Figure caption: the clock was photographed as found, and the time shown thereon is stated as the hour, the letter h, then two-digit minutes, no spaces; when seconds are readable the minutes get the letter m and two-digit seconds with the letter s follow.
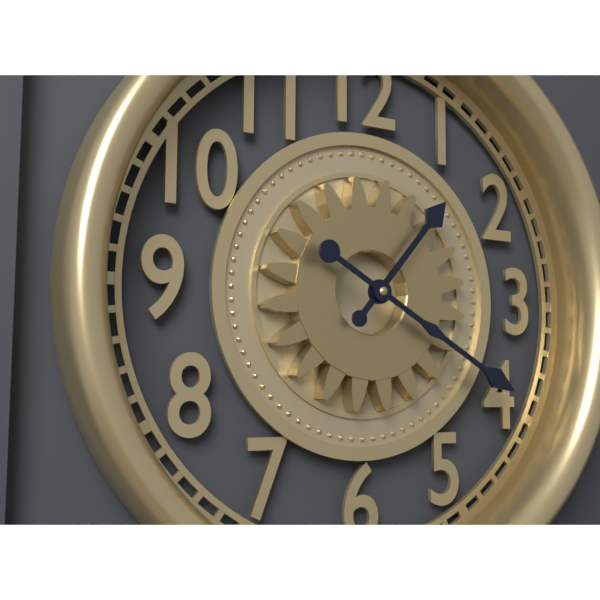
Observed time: 1h20
